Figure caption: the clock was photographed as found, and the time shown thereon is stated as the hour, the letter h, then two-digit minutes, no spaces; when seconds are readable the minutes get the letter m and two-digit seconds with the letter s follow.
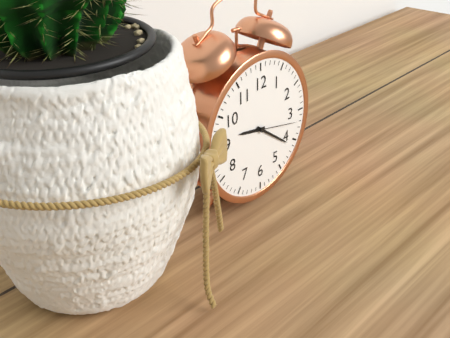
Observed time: 9h21
